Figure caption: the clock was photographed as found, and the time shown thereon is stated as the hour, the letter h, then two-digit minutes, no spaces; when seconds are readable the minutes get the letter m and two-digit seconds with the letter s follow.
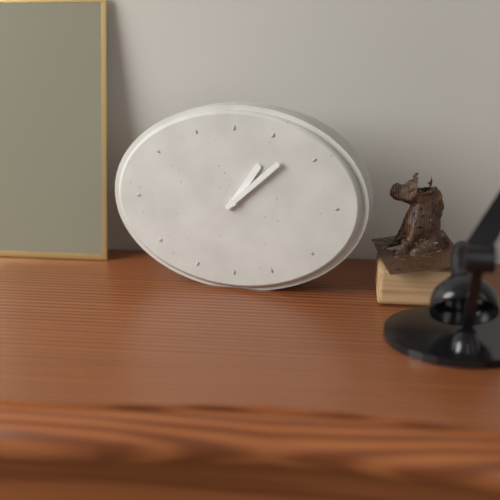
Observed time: 1h08
